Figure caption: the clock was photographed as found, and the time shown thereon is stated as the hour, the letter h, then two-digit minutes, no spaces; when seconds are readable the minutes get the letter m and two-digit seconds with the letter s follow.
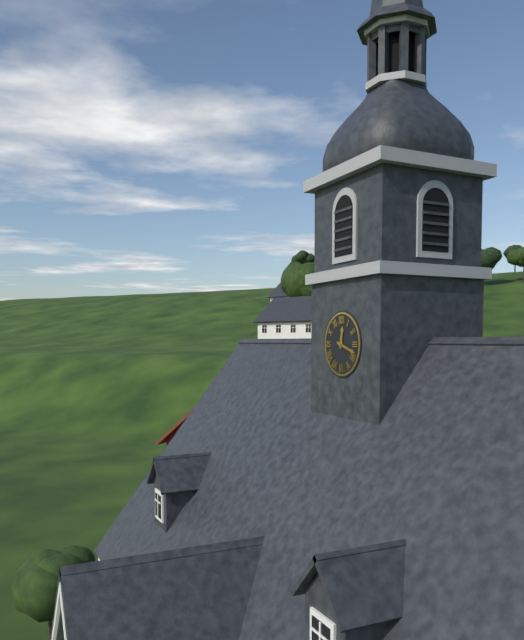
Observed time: 12h18
